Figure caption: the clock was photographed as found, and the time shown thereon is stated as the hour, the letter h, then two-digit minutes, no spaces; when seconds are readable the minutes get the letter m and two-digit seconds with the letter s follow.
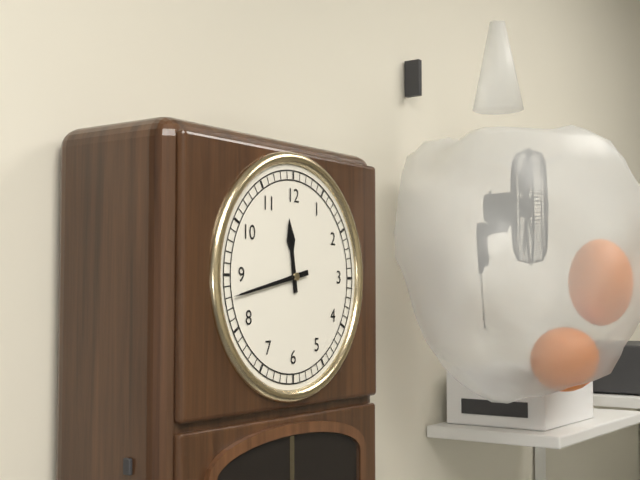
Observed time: 11h43
